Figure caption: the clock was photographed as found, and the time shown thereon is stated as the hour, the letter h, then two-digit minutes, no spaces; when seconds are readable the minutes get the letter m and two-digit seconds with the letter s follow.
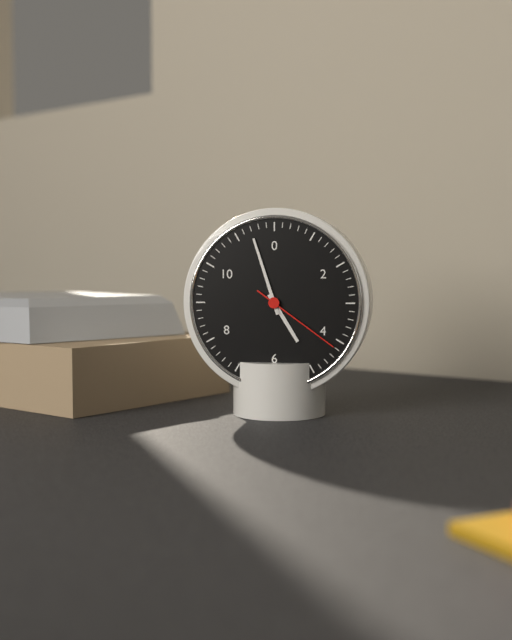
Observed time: 4h57m21s
